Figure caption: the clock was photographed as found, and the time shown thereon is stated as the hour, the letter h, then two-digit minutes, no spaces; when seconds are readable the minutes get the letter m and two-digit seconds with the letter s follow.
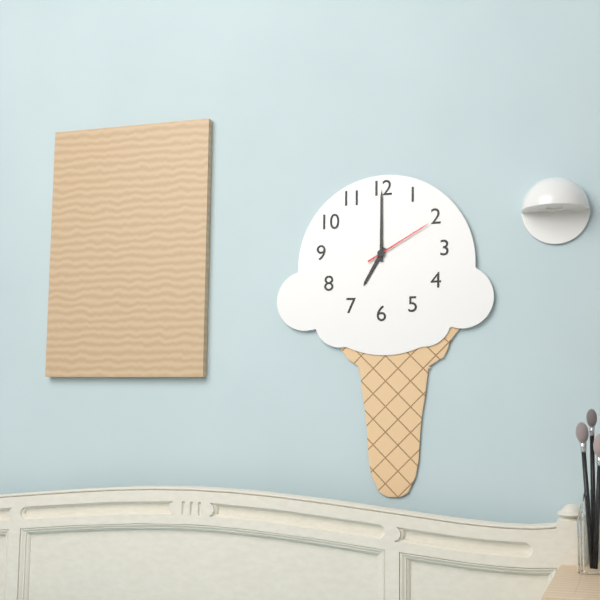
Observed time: 7h00m10s
